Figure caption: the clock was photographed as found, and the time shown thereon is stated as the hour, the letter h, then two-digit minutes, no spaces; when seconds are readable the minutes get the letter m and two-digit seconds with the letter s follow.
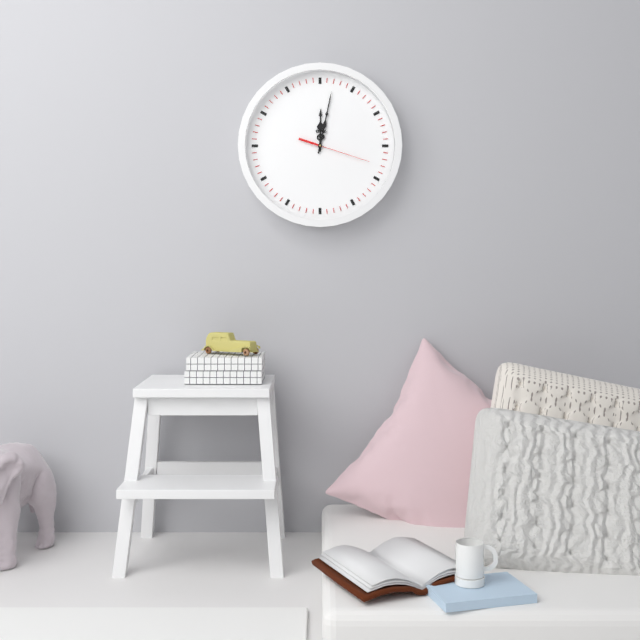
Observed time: 12h02m18s
